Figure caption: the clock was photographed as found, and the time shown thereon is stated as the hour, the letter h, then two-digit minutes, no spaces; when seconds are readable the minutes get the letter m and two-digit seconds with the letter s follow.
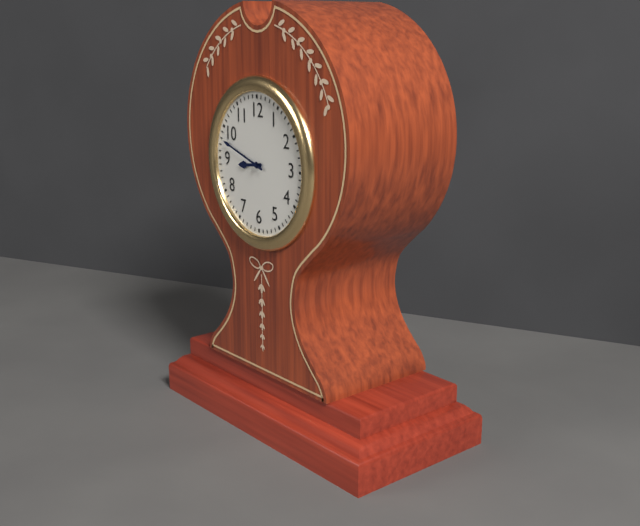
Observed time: 8h48
